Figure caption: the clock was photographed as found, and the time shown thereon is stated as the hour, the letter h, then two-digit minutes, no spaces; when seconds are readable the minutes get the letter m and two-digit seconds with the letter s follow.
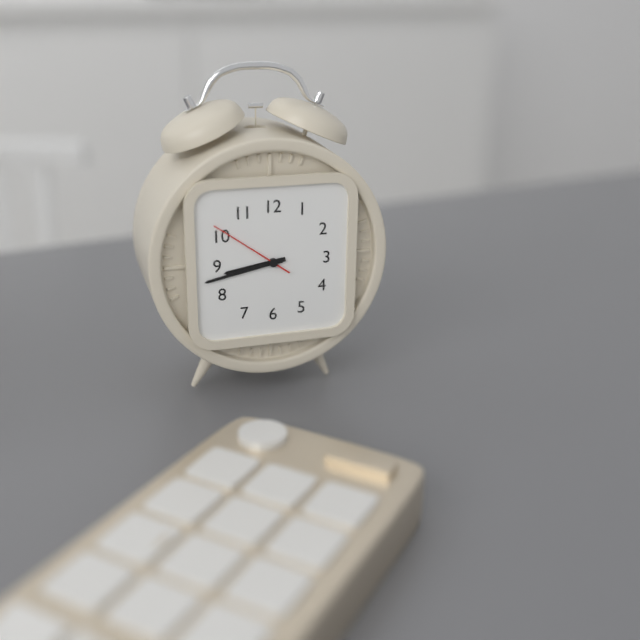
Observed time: 8h43m51s
